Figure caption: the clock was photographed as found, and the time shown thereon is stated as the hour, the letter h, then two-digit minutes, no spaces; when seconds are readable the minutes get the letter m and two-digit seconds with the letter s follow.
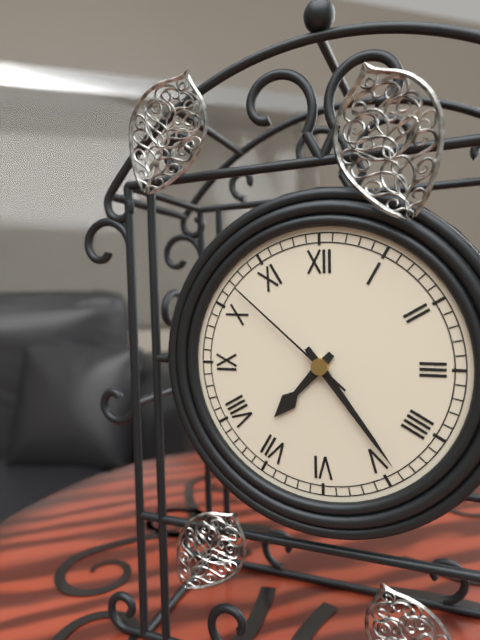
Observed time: 7h24m52s
